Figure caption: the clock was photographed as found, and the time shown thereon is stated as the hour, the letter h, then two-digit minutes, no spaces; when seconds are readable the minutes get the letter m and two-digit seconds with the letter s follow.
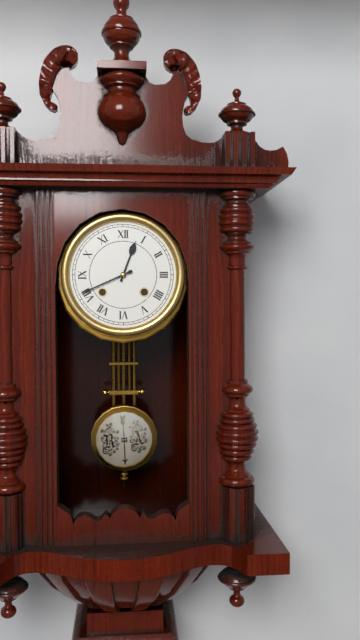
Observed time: 12h41
